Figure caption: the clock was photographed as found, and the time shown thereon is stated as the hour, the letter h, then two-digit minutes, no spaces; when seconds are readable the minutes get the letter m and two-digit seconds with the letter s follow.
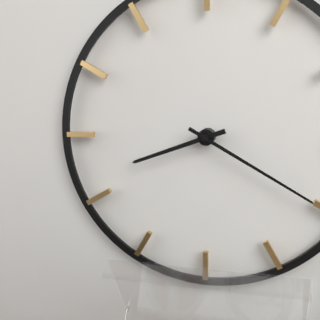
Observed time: 8h20
